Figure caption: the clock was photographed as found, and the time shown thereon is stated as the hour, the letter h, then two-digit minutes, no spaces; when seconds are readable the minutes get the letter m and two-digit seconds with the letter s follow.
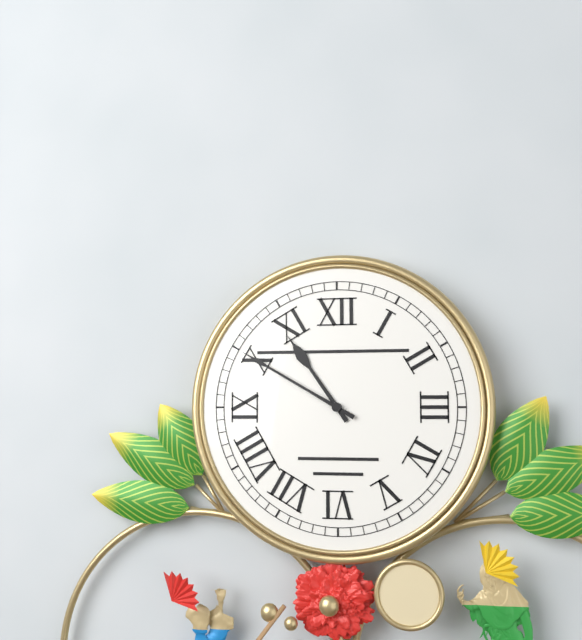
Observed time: 10h50
